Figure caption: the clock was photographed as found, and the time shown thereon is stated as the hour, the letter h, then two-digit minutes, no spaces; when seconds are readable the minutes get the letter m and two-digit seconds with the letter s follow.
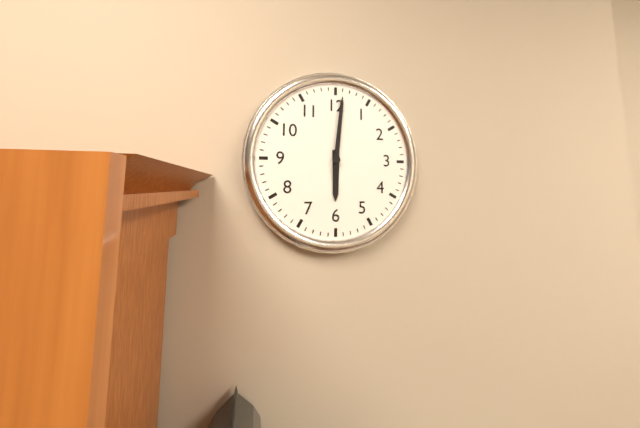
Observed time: 6h01
